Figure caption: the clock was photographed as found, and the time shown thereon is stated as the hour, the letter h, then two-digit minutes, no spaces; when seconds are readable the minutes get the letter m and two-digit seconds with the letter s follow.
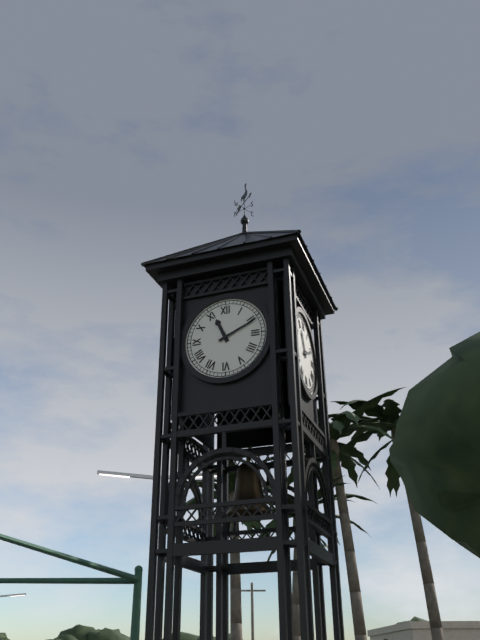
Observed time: 11h11
